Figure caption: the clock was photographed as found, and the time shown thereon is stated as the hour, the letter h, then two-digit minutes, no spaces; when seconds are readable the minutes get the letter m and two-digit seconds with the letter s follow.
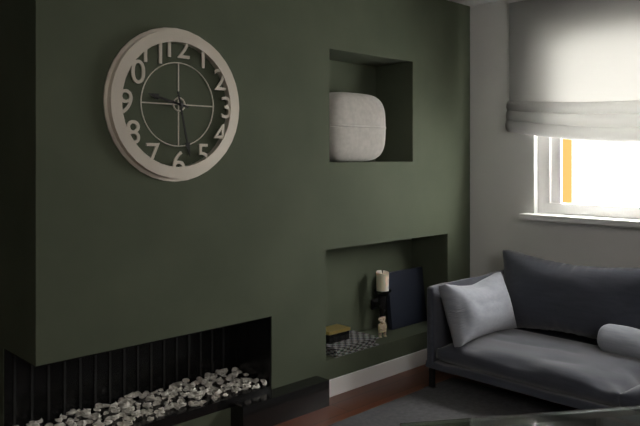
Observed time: 9h28
